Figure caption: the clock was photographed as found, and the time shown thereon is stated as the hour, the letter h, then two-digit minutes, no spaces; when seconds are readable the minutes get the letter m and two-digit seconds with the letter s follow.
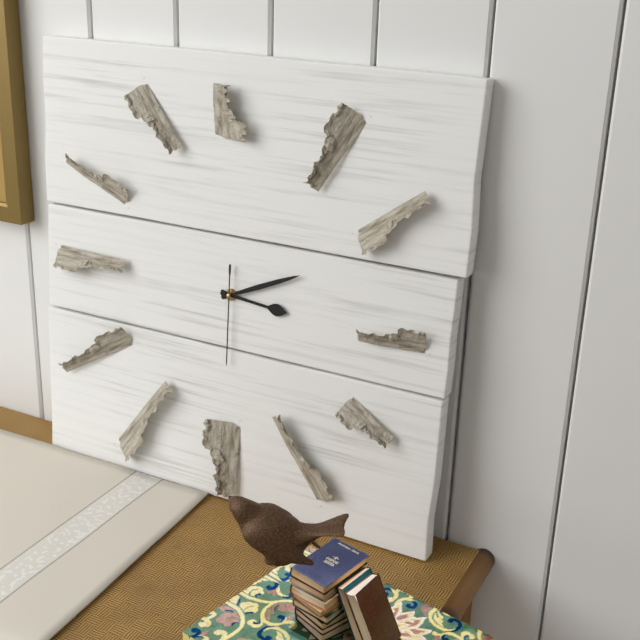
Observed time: 3h11m30s
